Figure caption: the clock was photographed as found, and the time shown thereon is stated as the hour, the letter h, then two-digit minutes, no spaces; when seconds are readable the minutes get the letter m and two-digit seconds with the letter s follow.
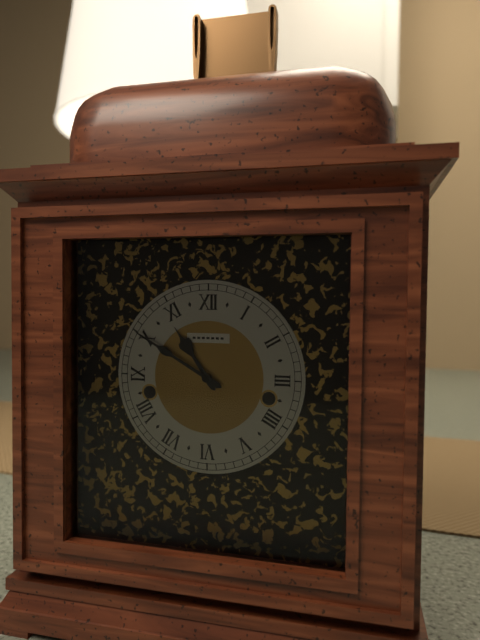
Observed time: 10h50
